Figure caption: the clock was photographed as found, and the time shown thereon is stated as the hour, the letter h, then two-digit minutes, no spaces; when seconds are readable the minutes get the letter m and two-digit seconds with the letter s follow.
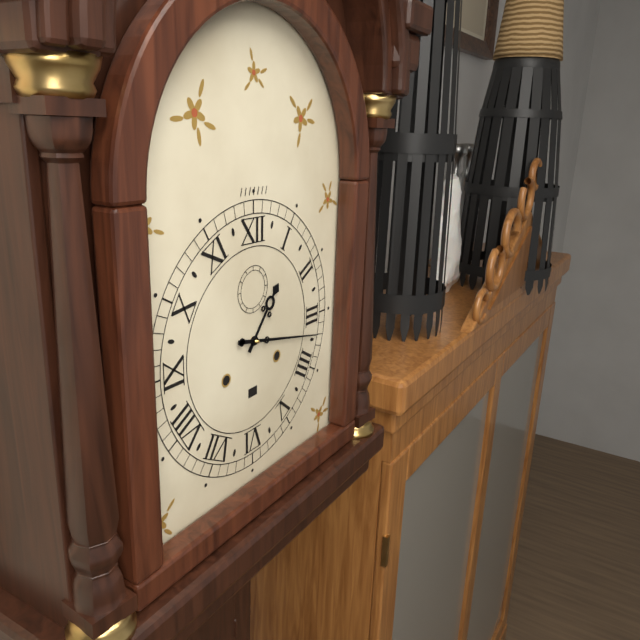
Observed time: 1h17
